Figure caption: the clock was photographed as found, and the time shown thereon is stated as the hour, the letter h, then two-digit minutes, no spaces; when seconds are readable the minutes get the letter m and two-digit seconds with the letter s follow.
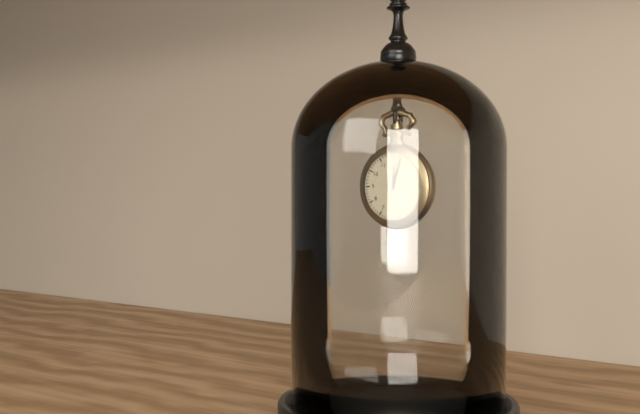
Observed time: 12h03
